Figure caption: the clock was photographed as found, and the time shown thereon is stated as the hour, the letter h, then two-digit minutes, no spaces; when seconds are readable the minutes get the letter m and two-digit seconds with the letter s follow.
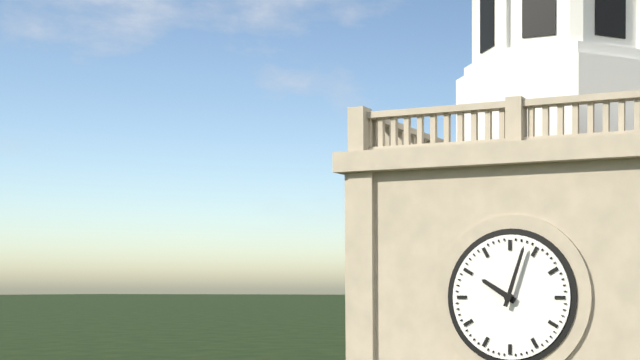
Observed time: 10h03
